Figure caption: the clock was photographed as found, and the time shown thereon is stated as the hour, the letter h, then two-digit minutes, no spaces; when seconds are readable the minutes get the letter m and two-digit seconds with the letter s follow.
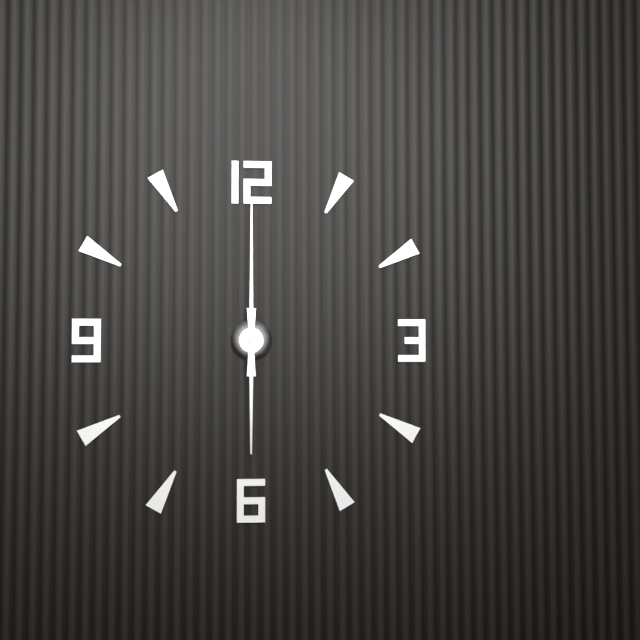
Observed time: 6h00
